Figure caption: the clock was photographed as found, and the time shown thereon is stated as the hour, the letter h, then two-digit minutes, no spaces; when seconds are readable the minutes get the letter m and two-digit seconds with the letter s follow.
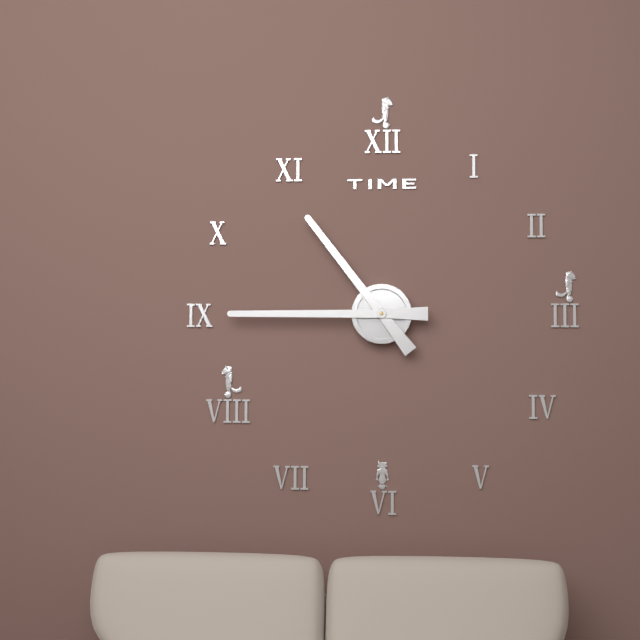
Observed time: 10h45
